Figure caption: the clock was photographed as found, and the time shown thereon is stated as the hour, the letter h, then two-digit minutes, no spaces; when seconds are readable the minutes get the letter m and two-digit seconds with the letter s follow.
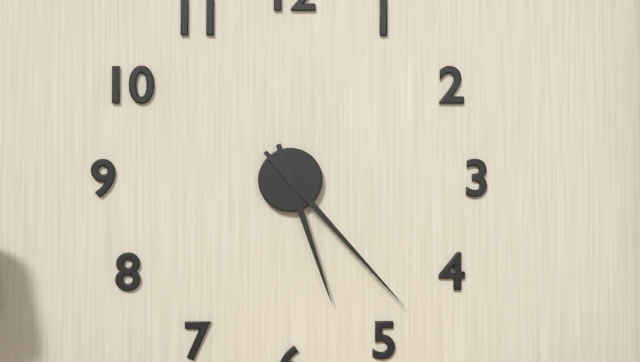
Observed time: 5h23
